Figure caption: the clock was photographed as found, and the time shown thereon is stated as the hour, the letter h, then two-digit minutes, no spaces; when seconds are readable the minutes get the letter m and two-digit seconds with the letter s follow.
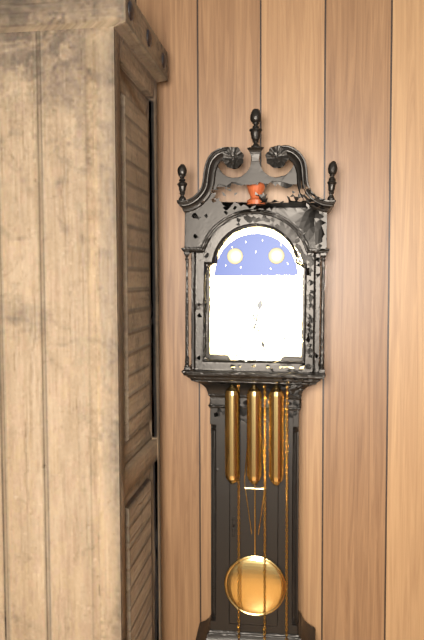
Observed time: 12h27
